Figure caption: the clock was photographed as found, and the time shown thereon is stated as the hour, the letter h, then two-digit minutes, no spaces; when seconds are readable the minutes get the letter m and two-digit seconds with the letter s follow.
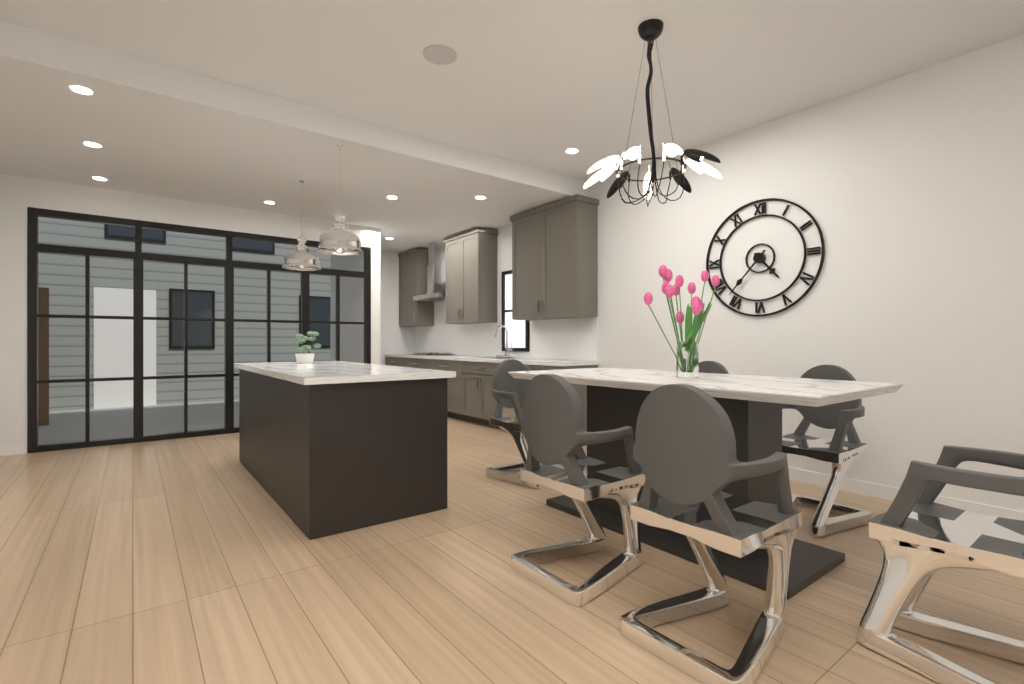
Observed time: 4h37
